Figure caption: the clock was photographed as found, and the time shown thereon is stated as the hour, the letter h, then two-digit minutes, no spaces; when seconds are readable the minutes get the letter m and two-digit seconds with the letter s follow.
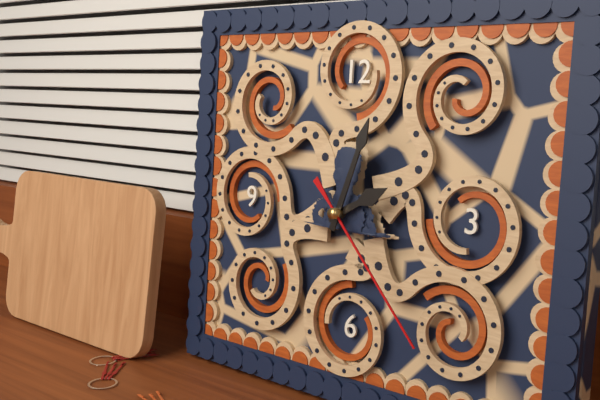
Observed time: 2h03m23s
